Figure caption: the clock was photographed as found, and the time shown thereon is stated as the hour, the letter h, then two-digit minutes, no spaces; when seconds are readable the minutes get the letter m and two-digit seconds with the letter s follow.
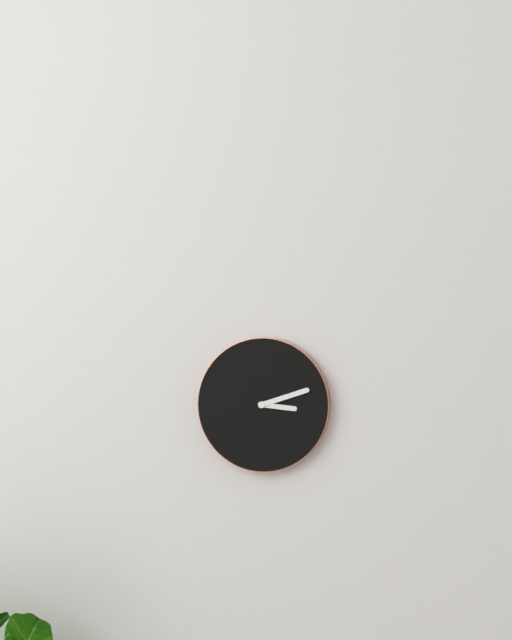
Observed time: 3h12
